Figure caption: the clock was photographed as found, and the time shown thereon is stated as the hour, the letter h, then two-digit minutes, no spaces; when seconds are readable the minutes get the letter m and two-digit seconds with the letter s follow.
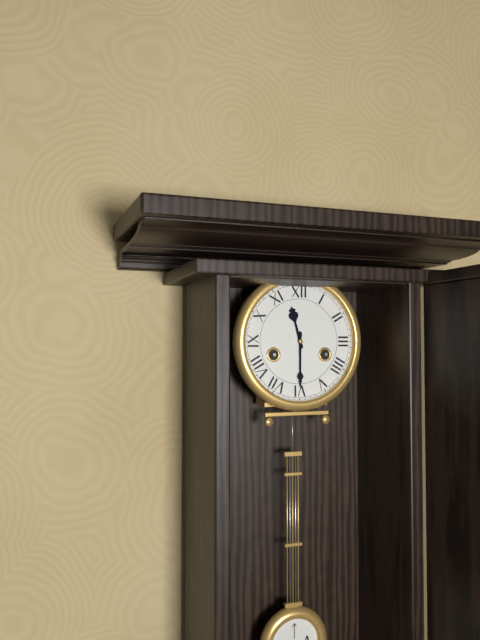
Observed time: 11h30
